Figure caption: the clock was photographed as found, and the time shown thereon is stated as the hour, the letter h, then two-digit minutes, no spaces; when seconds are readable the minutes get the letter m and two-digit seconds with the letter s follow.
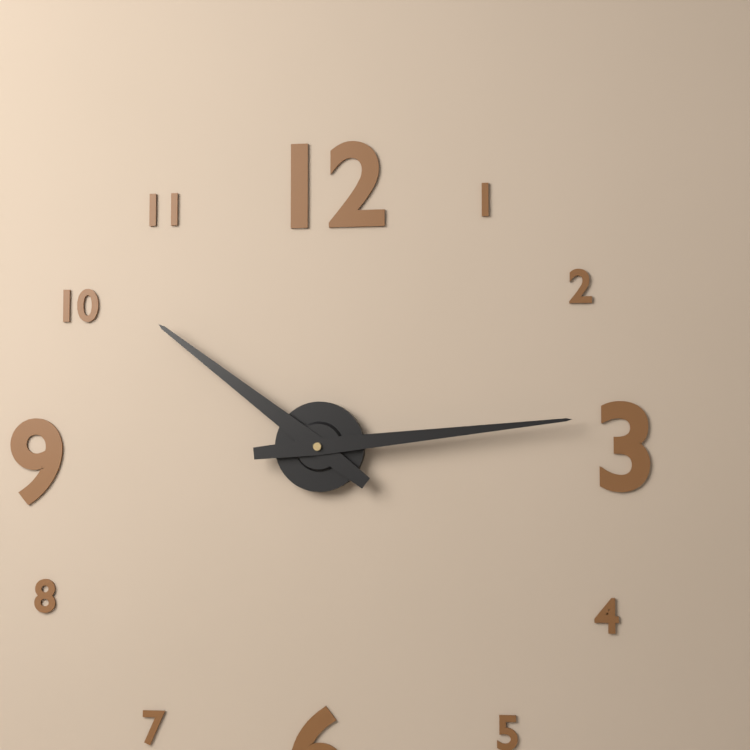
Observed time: 10h14
